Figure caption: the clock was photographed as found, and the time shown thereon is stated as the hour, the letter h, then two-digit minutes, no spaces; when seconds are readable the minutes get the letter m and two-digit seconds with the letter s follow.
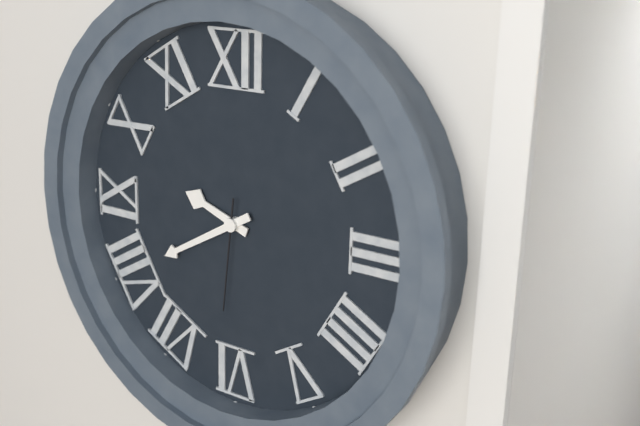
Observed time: 9h40m31s
